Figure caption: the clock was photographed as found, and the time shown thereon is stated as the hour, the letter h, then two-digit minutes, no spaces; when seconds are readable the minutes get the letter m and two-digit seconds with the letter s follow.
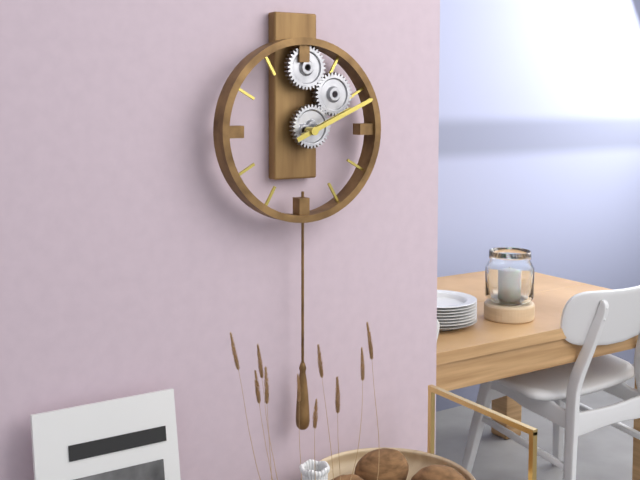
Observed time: 2h11
